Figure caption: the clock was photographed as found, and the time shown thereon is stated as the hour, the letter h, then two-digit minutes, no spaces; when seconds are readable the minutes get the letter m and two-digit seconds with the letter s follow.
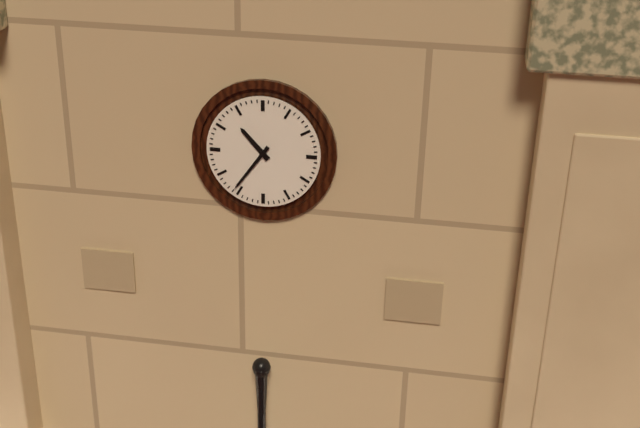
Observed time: 10h36
